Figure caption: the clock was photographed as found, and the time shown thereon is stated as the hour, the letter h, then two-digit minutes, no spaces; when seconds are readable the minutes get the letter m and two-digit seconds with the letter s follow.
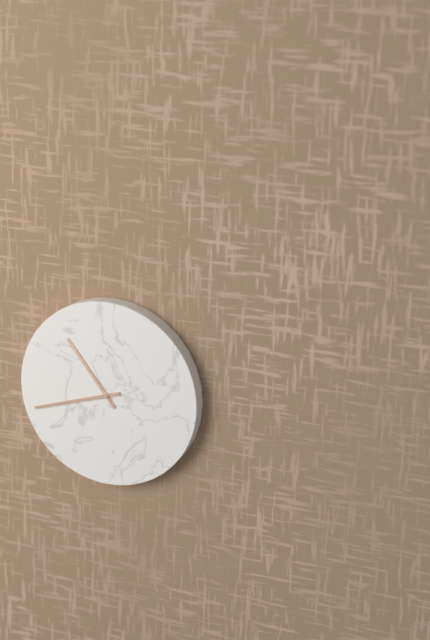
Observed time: 10h42
